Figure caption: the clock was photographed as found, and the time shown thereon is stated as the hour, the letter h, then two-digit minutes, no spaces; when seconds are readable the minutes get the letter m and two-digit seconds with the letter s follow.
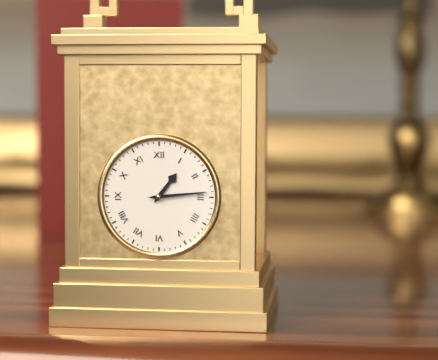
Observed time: 1h14
